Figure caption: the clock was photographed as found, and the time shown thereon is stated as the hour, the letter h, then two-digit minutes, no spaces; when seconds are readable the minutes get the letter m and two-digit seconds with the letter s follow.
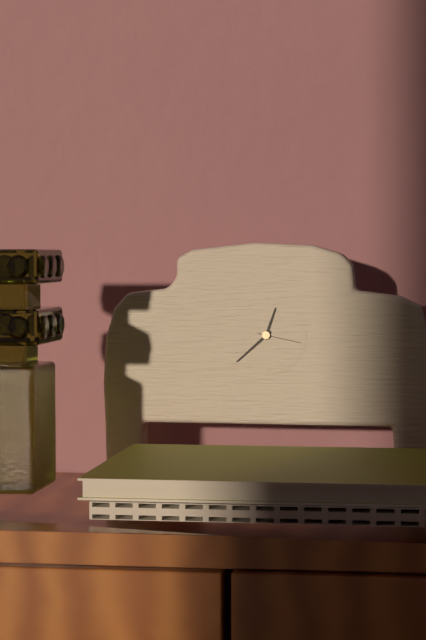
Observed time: 12h38
